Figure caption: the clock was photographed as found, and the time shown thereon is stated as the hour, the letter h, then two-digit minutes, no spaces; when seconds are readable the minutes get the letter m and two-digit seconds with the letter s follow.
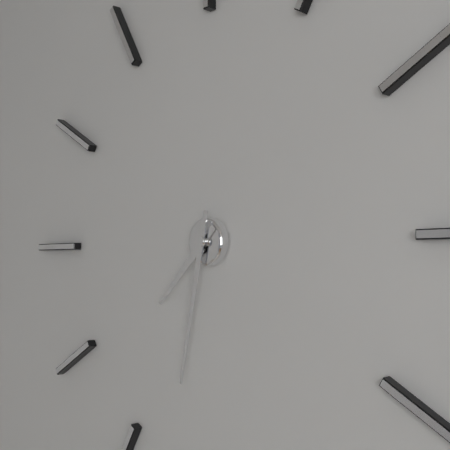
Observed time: 7h32
